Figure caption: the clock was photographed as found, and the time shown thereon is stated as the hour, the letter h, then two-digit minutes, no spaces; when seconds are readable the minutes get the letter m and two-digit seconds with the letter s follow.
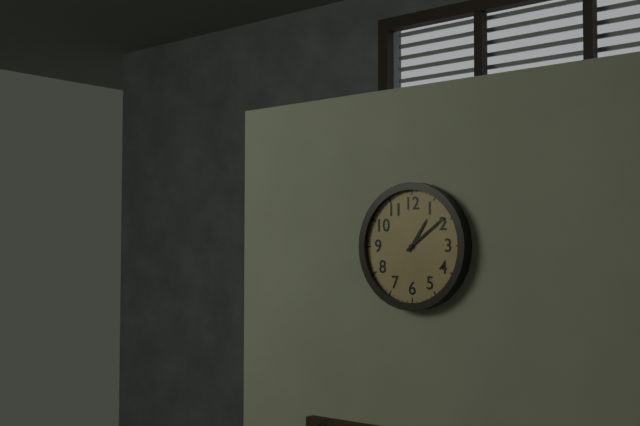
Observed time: 1h09
